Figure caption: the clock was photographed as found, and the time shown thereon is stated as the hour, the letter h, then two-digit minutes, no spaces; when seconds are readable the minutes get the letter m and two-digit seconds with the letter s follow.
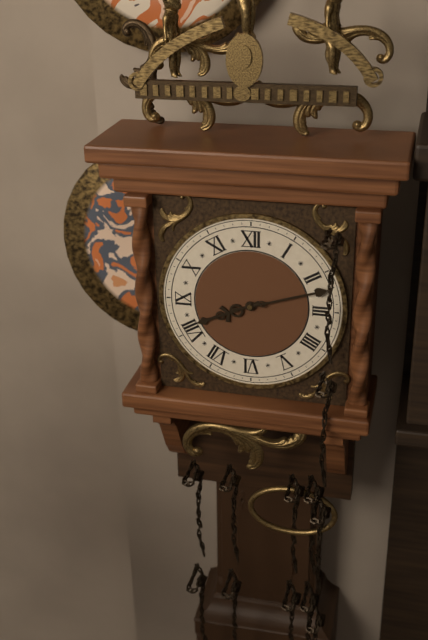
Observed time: 8h12
